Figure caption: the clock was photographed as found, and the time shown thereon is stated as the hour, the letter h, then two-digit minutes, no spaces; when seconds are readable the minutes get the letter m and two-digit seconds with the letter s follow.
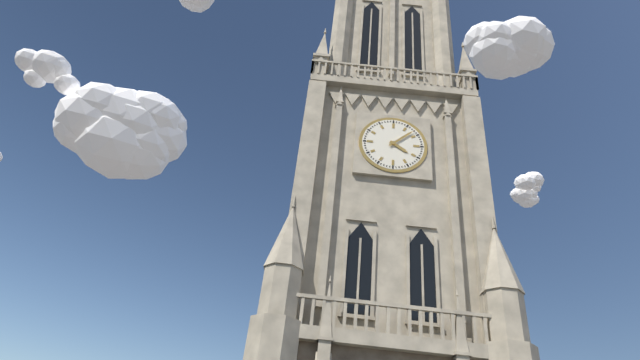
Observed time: 4h08
